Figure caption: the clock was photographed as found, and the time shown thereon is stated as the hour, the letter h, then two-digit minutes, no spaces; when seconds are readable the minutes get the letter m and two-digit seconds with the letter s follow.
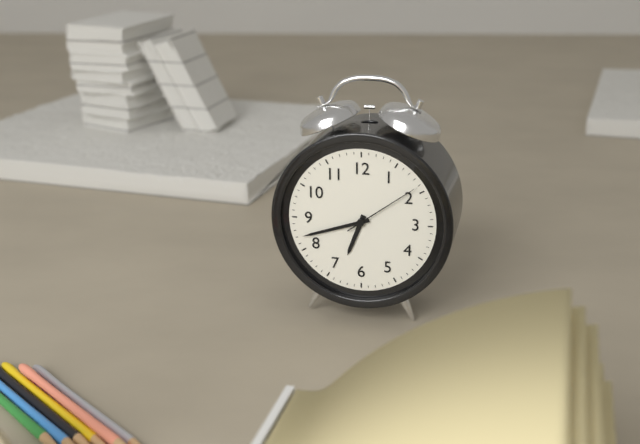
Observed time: 6h42m09s
